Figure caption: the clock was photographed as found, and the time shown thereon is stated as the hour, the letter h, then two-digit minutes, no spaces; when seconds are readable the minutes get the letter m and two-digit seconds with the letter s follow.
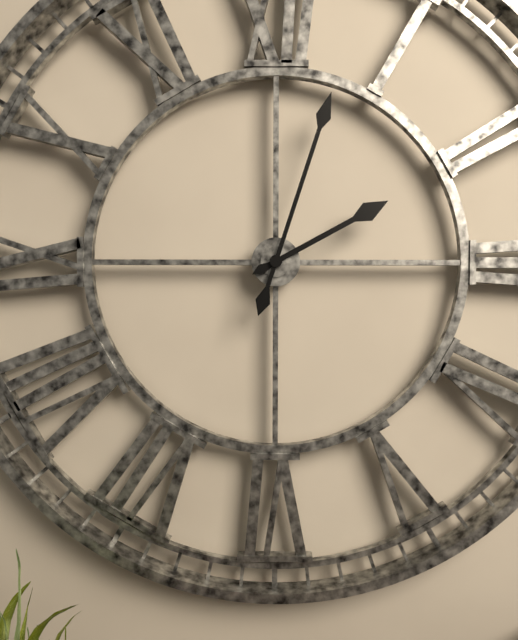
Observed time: 2h03
